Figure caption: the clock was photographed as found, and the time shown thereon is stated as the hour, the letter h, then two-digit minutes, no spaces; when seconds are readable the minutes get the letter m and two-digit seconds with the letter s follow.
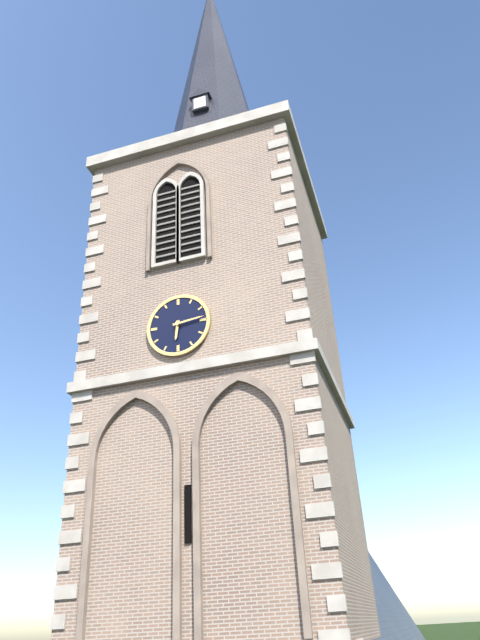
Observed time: 6h14
